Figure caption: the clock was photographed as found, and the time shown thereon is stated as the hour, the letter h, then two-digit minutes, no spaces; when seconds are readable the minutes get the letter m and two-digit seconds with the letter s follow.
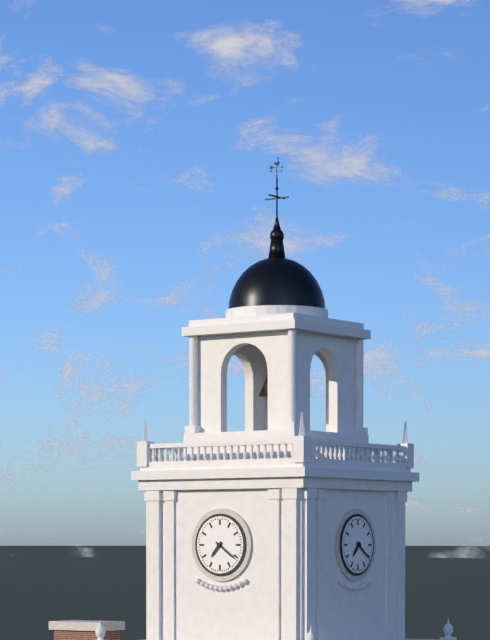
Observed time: 7h21
